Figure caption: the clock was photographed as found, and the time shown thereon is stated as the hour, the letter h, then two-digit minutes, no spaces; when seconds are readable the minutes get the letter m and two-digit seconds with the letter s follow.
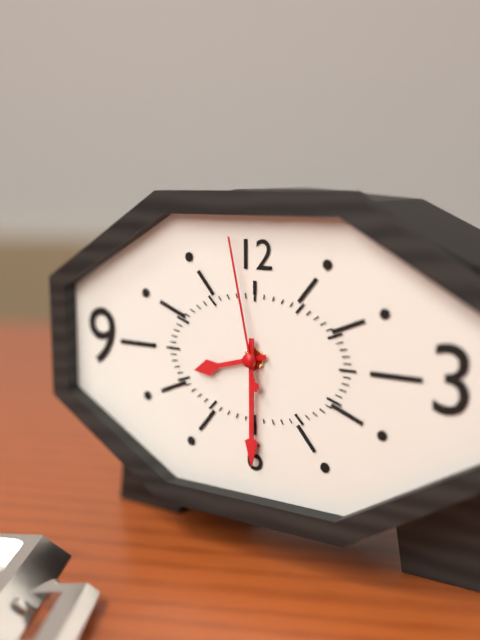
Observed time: 8h30m58s
